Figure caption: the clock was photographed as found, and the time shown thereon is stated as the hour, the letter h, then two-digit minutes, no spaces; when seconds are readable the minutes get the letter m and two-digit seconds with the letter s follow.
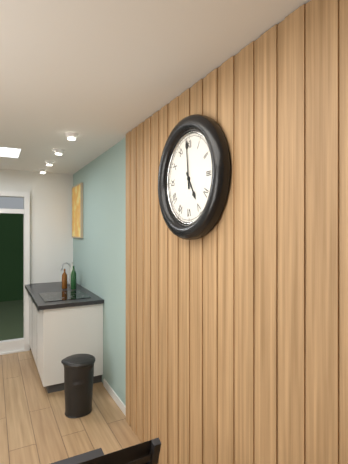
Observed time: 4h59
